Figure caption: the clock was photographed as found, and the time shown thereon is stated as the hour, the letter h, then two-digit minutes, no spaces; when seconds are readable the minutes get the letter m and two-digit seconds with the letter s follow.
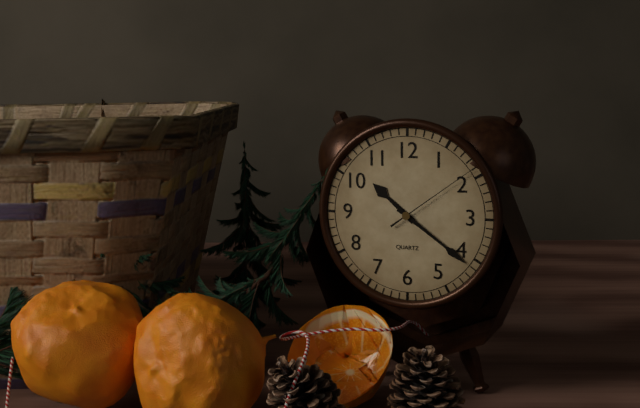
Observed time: 10h21m09s
